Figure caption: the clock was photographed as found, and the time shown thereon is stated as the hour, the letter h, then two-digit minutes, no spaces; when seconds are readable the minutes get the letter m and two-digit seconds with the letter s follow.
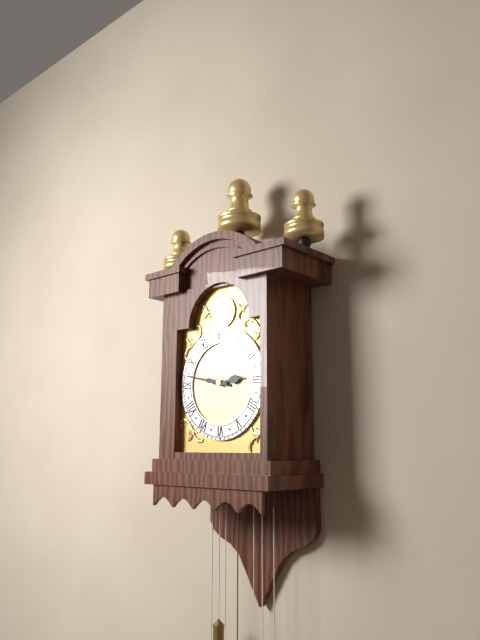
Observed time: 2h47
